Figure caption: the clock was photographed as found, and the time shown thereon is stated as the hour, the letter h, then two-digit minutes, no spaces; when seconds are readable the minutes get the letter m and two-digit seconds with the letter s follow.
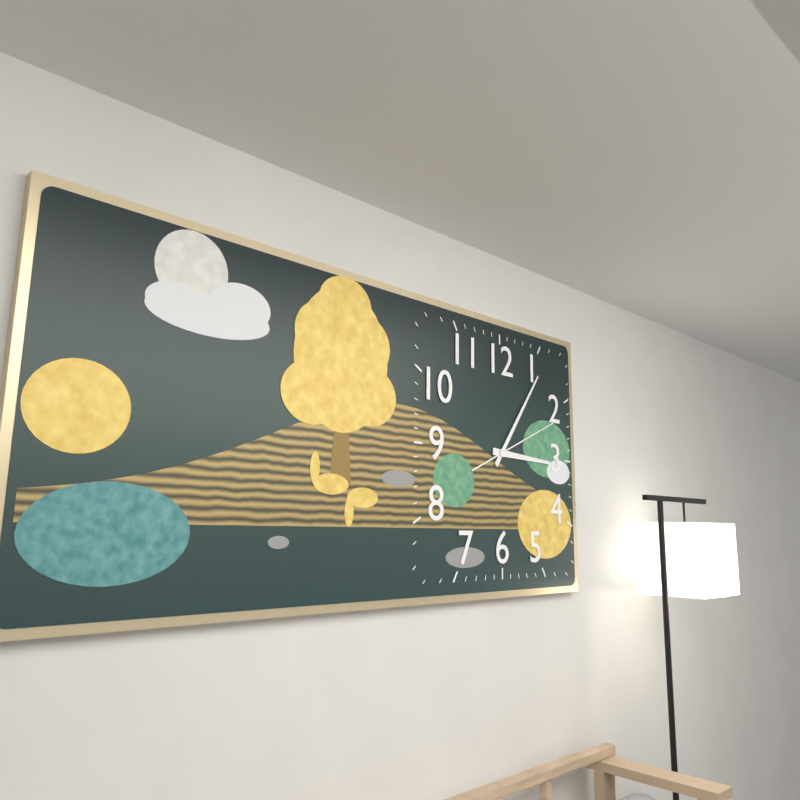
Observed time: 3h06m11s
